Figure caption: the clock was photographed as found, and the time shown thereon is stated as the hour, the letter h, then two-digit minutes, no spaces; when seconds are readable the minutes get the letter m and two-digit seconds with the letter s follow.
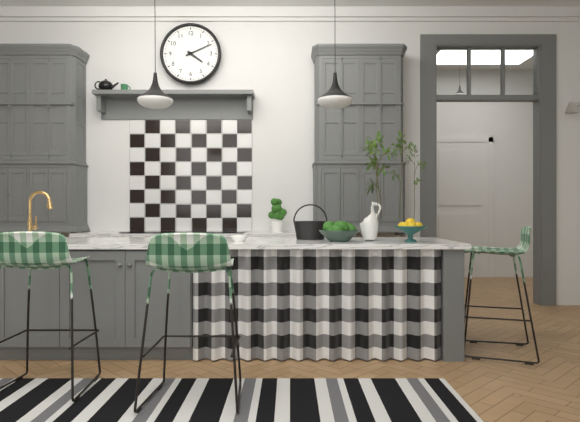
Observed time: 4h11
